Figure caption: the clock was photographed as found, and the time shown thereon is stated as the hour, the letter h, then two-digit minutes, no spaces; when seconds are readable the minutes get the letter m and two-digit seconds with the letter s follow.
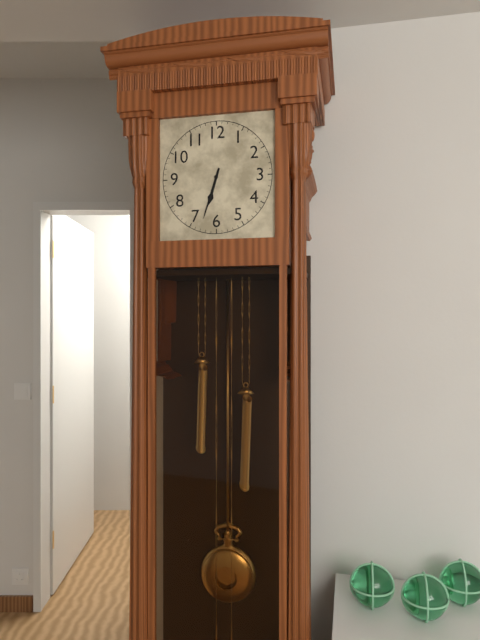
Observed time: 6h33
